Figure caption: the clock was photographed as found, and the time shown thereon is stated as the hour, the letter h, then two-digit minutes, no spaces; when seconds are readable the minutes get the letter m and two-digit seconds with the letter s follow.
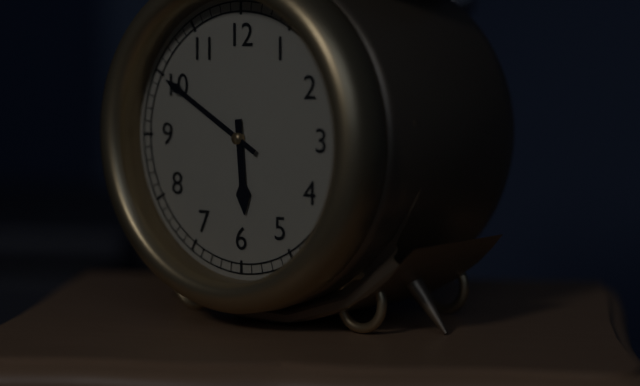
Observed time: 5h50
